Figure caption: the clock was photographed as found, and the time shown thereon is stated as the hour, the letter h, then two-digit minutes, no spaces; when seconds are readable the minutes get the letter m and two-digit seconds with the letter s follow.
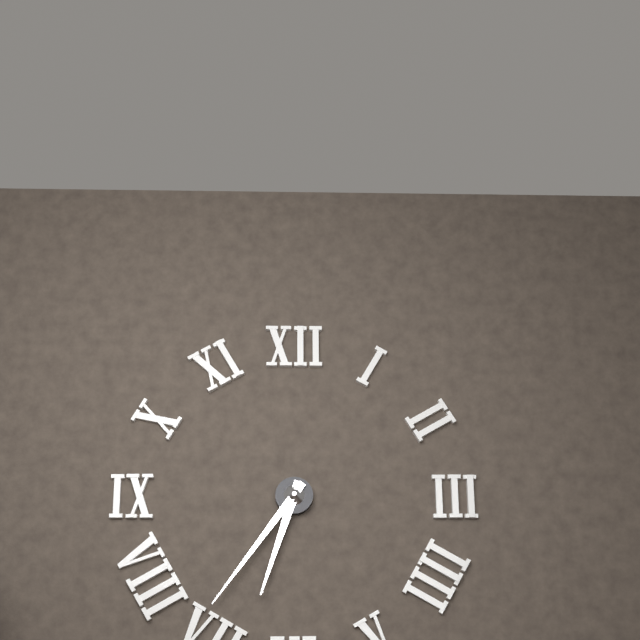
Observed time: 6h36
